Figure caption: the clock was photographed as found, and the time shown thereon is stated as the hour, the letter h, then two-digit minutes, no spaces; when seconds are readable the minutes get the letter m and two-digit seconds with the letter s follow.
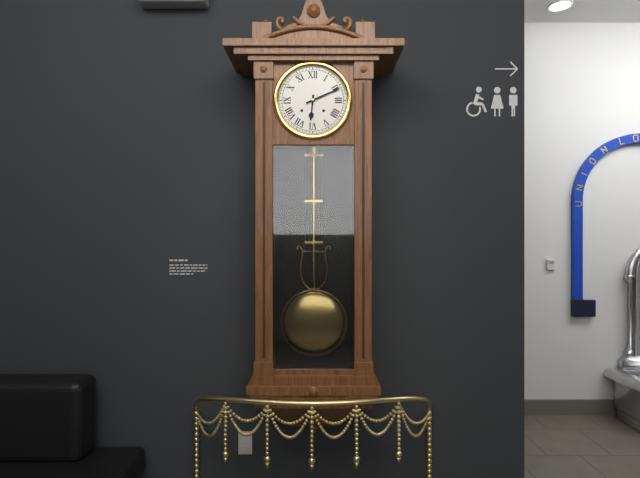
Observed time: 6h11
